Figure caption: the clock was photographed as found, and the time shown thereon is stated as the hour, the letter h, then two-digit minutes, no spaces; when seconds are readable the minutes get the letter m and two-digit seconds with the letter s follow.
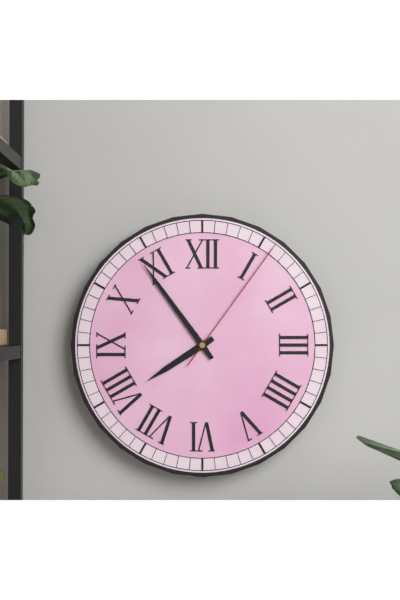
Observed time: 7h54m06s
